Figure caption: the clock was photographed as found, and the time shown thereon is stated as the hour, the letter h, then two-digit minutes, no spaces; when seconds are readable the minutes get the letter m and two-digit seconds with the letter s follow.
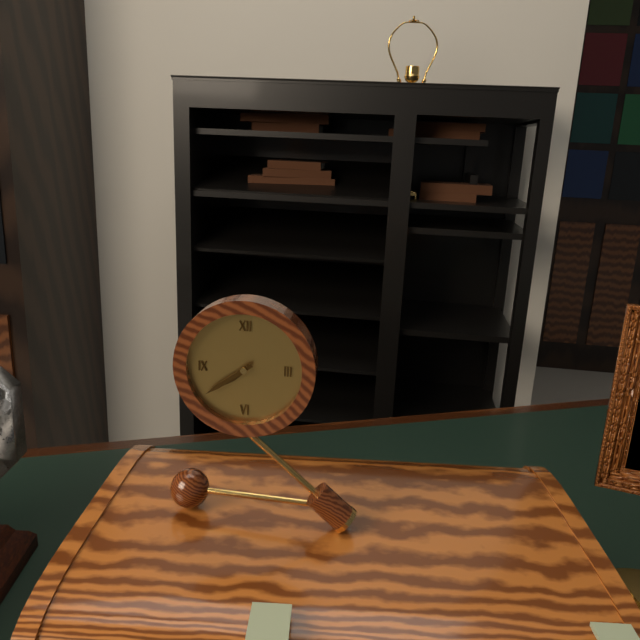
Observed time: 7h39
